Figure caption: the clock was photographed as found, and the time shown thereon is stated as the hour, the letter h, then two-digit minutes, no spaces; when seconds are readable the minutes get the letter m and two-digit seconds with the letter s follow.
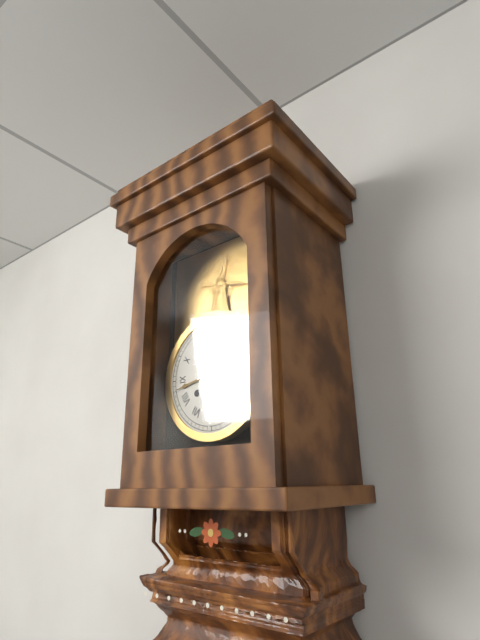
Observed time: 12h43
